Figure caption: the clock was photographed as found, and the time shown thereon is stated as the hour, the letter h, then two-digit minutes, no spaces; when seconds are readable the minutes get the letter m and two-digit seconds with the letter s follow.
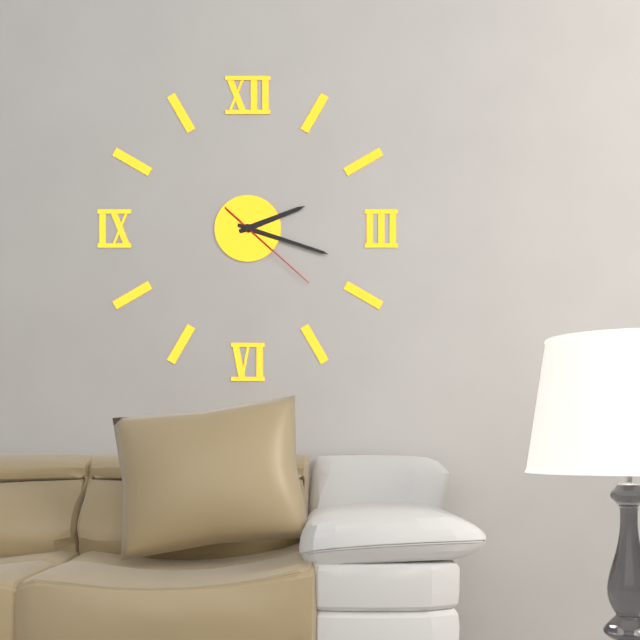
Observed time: 2h18m22s
